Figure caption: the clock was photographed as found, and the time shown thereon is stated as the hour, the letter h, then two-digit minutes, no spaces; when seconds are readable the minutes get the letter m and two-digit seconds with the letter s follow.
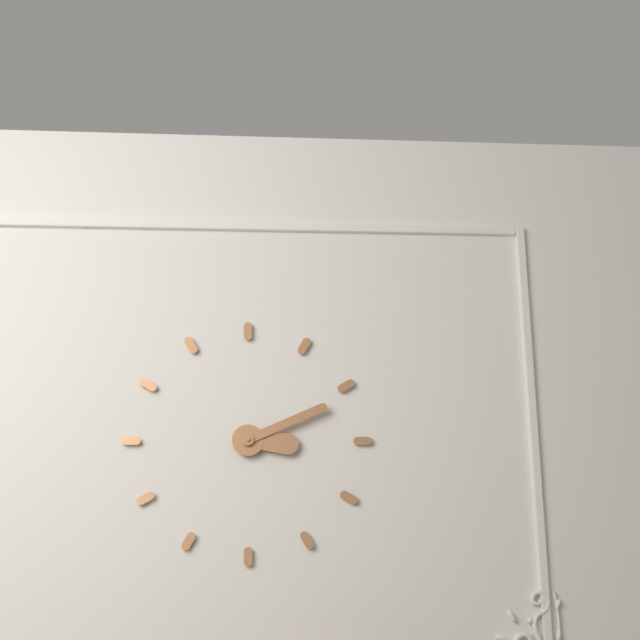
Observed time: 3h11
